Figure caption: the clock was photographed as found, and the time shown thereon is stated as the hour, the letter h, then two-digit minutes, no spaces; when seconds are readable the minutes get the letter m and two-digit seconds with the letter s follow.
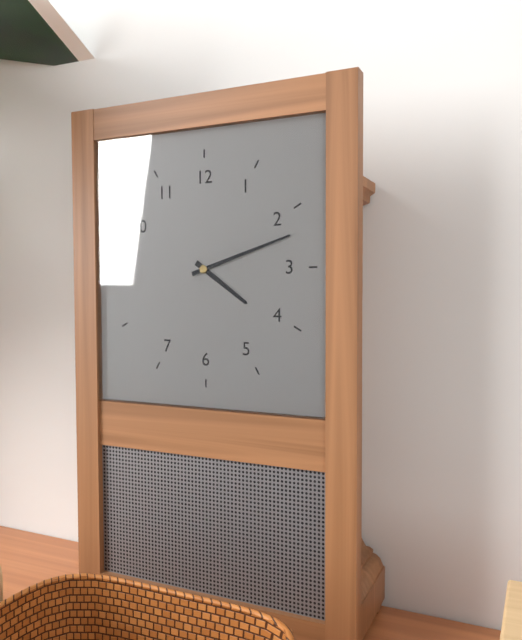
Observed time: 4h12
